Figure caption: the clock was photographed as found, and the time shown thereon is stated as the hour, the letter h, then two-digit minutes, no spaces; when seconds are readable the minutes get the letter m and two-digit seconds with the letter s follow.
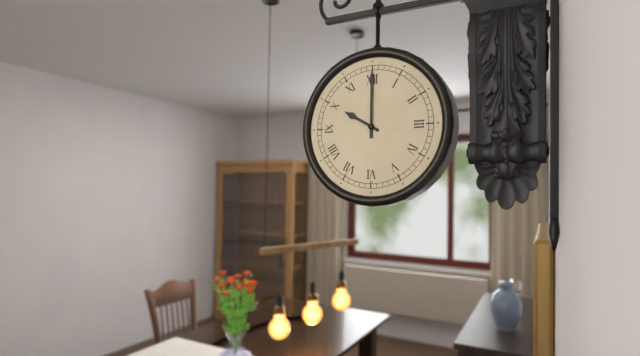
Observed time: 10h00
